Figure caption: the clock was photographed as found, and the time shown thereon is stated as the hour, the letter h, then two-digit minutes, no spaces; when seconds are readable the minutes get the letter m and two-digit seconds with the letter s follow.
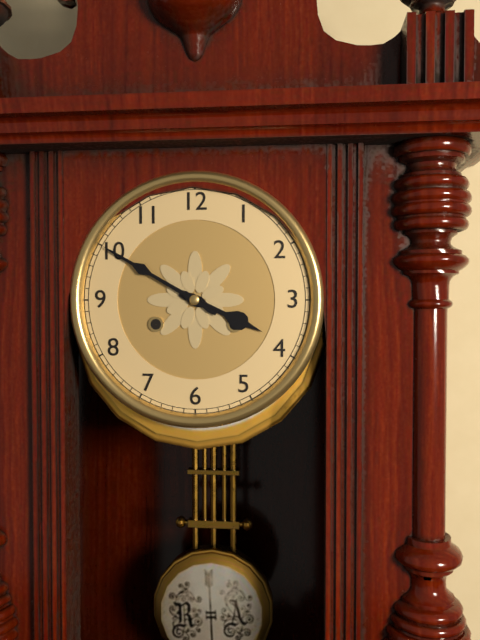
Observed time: 3h50
